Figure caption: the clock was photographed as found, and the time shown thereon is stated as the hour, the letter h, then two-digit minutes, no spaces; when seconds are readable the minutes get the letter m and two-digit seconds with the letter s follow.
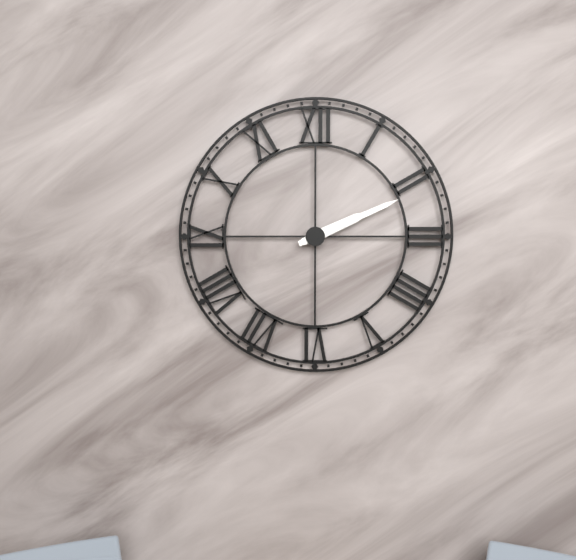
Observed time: 2h11
